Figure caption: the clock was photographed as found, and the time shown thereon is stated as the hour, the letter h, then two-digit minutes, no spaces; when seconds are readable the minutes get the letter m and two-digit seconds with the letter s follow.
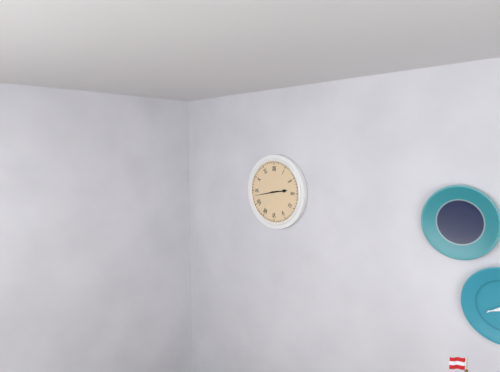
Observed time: 2h43
